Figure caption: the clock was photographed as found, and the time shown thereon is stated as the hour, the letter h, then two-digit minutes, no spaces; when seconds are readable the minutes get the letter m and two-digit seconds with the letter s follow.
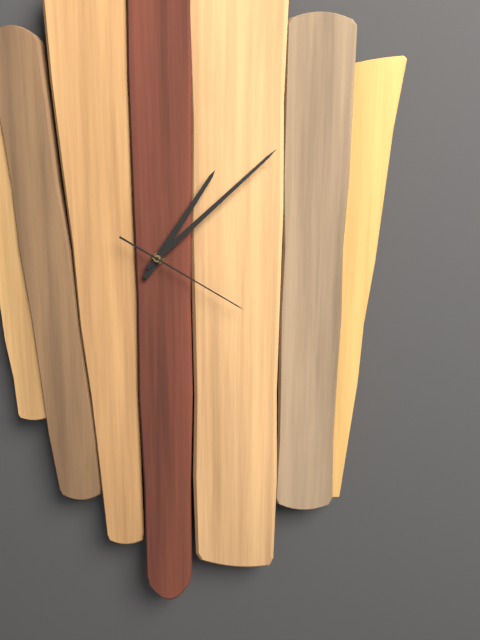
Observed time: 1h08m20s
